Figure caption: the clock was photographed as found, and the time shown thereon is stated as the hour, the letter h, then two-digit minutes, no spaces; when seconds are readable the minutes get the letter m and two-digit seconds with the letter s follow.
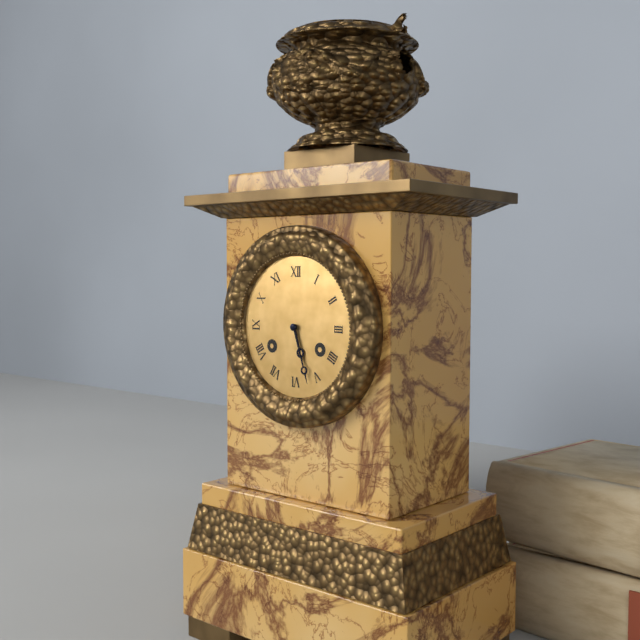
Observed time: 5h27
